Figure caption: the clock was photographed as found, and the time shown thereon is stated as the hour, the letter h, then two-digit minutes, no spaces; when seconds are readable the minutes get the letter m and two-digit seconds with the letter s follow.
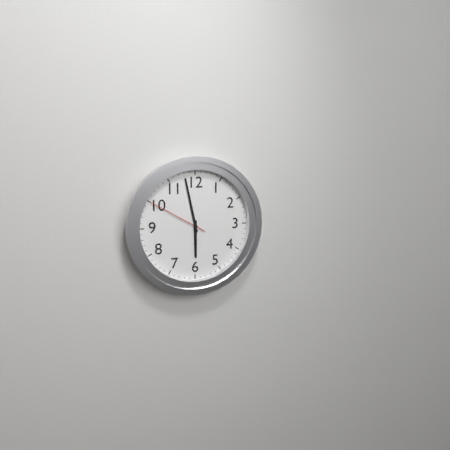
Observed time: 5h58m50s
